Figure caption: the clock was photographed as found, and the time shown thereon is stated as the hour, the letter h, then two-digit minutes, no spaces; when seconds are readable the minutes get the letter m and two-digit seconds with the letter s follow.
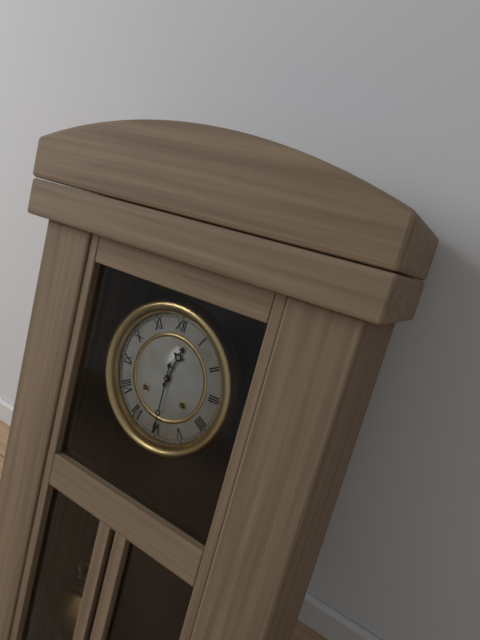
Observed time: 12h30
